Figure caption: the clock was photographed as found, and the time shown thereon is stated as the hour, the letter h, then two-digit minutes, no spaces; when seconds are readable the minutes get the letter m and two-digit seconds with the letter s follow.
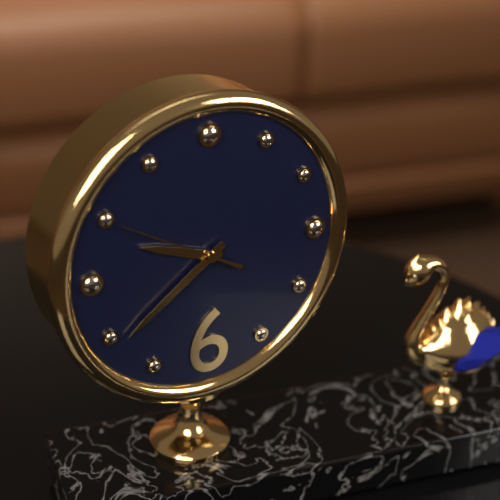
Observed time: 9h39m50s
